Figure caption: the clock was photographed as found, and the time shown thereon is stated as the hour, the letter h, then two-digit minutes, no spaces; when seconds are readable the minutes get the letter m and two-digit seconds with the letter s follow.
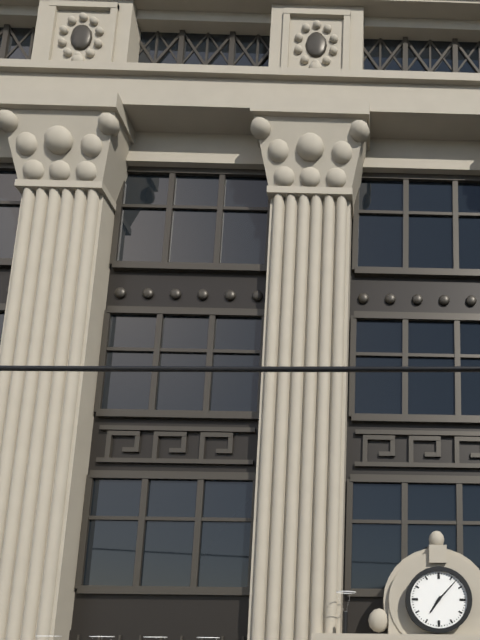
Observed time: 7h07
